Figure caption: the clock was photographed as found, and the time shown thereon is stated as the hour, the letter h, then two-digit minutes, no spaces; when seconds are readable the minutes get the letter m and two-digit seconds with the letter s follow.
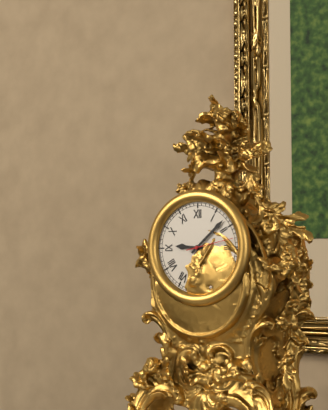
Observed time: 9h08
